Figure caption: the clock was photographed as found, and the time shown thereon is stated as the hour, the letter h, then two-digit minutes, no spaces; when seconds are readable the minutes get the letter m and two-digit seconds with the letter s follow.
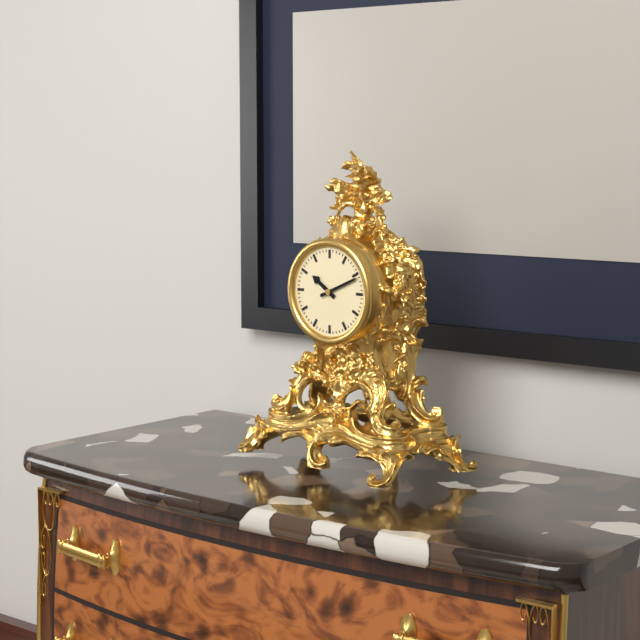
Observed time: 10h11
